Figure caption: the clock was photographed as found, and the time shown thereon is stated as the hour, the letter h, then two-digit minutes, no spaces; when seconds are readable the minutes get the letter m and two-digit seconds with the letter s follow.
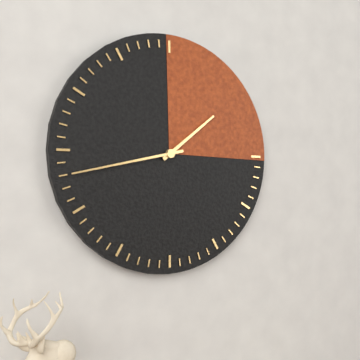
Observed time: 1h43
